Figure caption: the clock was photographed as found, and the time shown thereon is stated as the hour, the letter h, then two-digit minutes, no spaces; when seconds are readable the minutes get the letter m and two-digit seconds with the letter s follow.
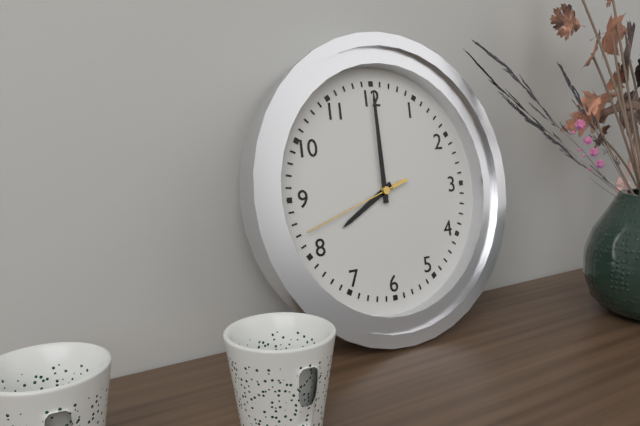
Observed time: 8h00m42s
